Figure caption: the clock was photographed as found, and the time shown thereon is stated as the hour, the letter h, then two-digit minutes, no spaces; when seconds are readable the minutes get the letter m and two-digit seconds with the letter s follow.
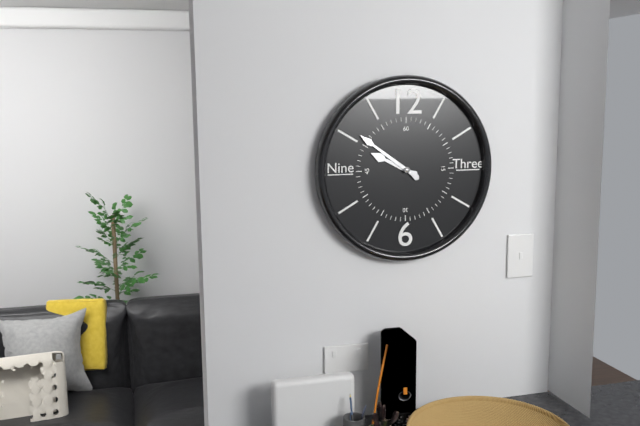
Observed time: 9h51
